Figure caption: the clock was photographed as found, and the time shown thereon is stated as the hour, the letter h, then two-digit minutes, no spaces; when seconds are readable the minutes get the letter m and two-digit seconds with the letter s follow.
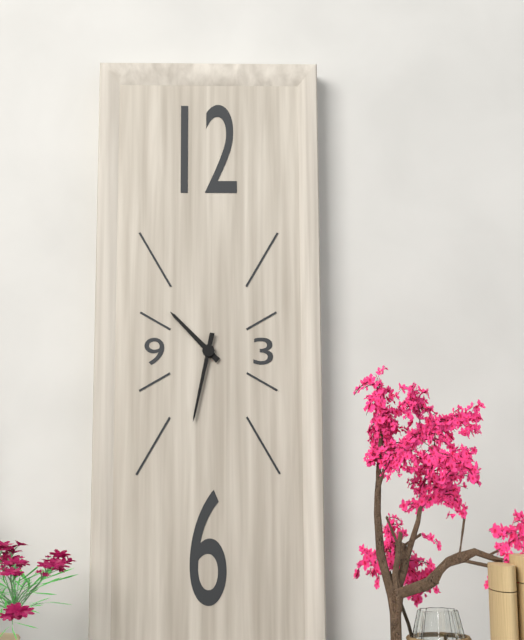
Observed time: 10h32
